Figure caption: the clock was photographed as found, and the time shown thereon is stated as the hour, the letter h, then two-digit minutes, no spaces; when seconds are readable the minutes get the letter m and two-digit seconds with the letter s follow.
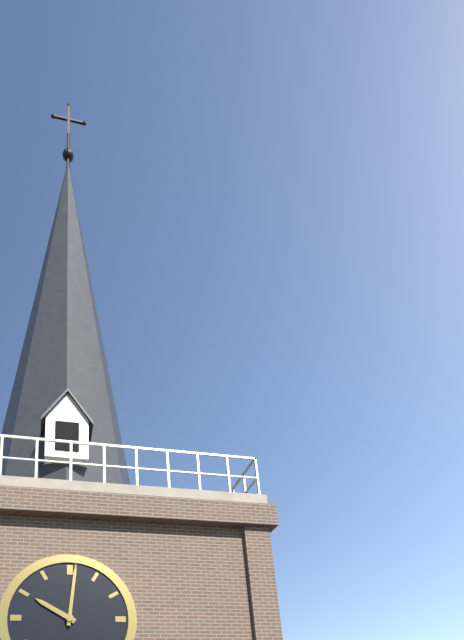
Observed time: 10h01
